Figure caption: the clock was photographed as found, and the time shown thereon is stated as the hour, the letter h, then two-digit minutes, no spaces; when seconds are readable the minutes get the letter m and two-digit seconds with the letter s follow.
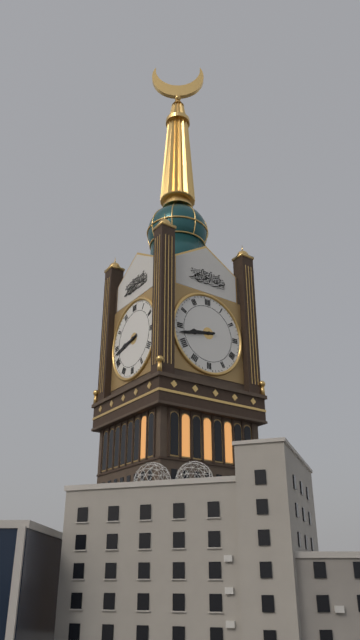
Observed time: 8h43
